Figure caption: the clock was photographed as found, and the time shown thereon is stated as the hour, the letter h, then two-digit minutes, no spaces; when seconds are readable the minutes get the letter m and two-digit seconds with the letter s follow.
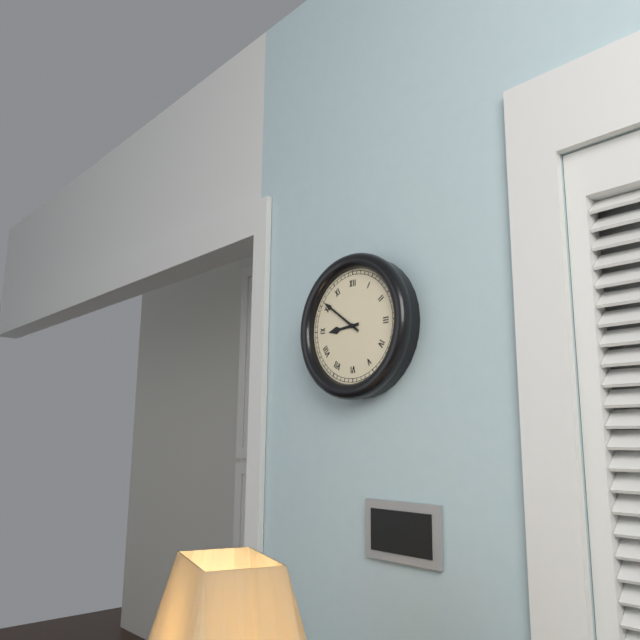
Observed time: 8h51
